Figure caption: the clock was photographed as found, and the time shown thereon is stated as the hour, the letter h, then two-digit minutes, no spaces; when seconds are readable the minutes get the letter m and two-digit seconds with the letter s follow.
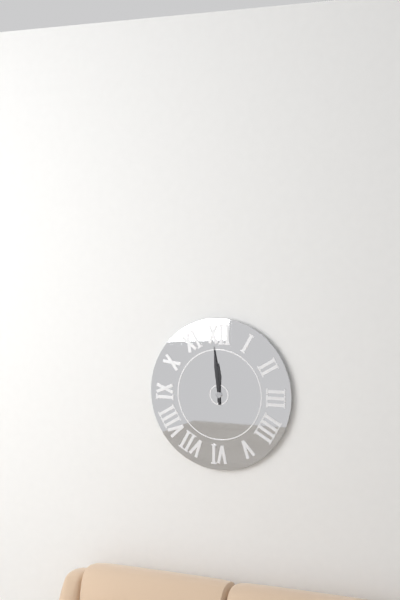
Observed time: 11h59
